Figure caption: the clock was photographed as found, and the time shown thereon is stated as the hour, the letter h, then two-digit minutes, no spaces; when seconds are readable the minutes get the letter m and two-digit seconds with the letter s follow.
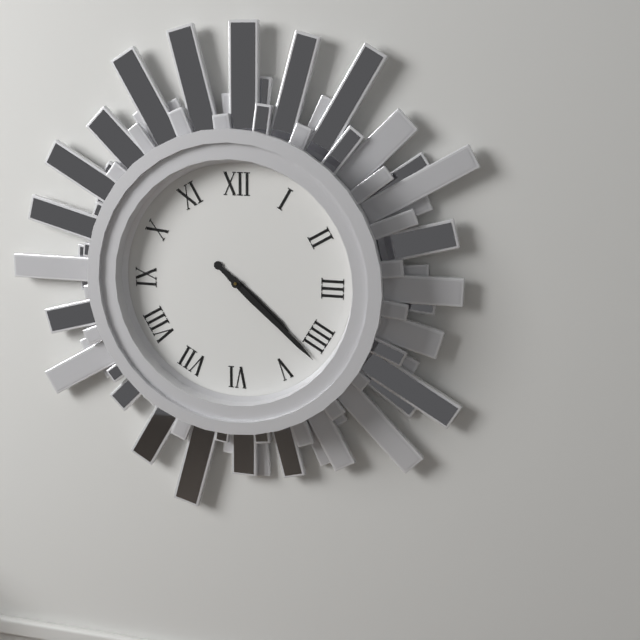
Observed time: 4h22
